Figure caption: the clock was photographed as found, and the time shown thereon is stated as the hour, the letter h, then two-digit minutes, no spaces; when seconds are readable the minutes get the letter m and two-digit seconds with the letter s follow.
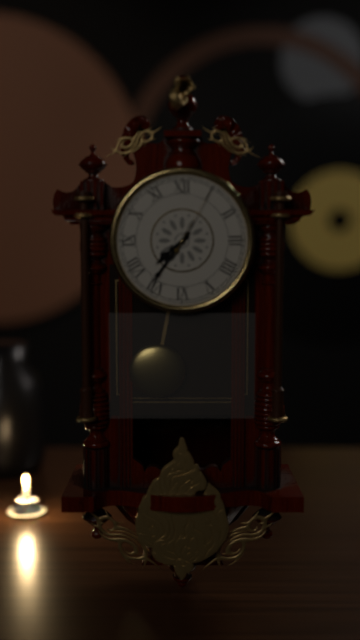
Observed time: 7h36m05s
